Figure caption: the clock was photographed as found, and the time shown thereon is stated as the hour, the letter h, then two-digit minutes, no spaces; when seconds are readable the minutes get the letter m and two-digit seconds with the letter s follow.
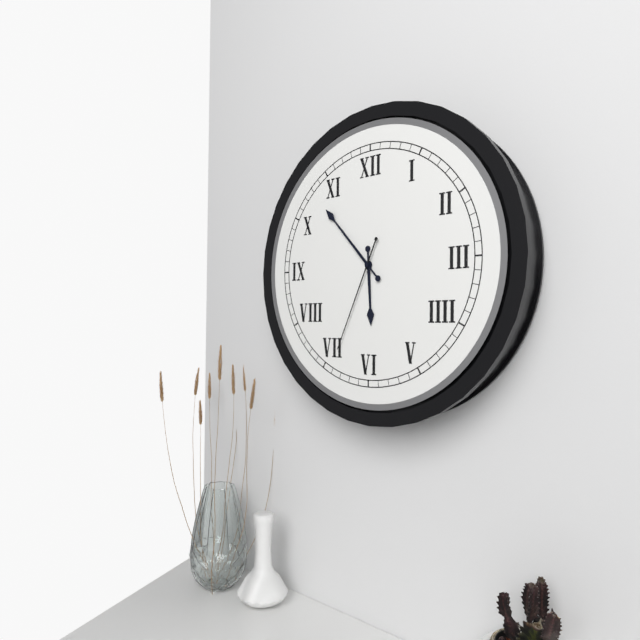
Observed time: 5h53m34s
